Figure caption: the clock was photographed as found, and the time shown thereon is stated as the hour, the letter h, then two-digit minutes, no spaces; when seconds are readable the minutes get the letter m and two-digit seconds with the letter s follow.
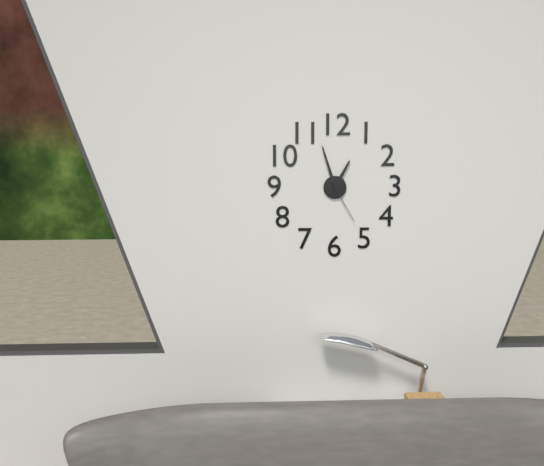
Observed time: 12h57m25s
